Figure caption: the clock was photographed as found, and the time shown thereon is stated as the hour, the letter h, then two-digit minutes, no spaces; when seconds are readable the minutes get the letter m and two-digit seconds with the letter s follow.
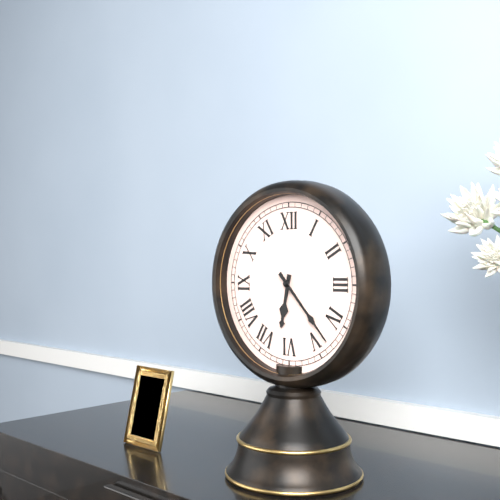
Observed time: 6h23
